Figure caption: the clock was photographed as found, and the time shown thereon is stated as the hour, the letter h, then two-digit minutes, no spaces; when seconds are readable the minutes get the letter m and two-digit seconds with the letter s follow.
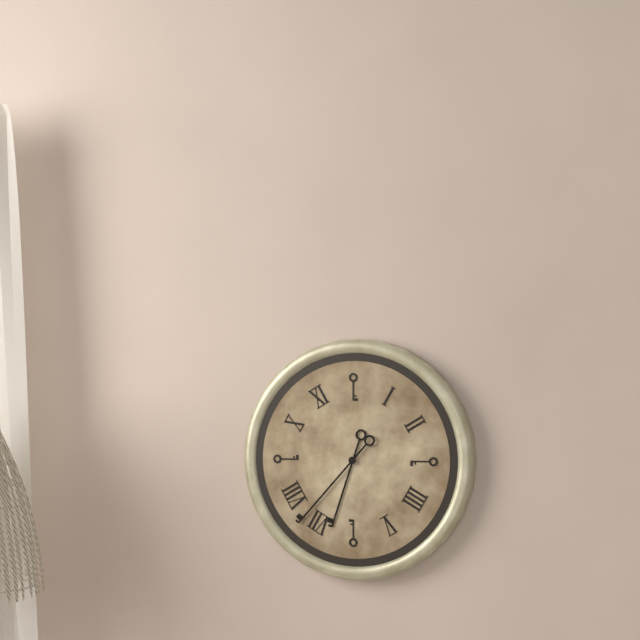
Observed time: 6h37
